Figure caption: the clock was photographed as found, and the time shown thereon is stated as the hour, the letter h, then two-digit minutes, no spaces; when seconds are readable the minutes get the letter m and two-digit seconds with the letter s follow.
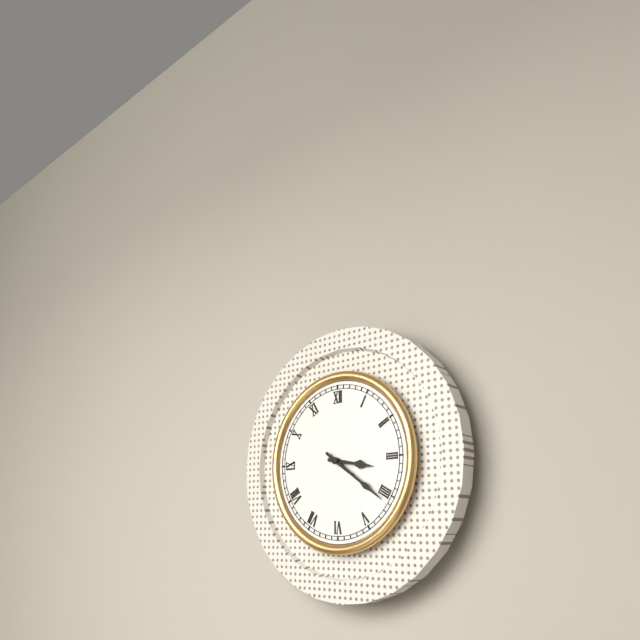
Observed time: 3h21
